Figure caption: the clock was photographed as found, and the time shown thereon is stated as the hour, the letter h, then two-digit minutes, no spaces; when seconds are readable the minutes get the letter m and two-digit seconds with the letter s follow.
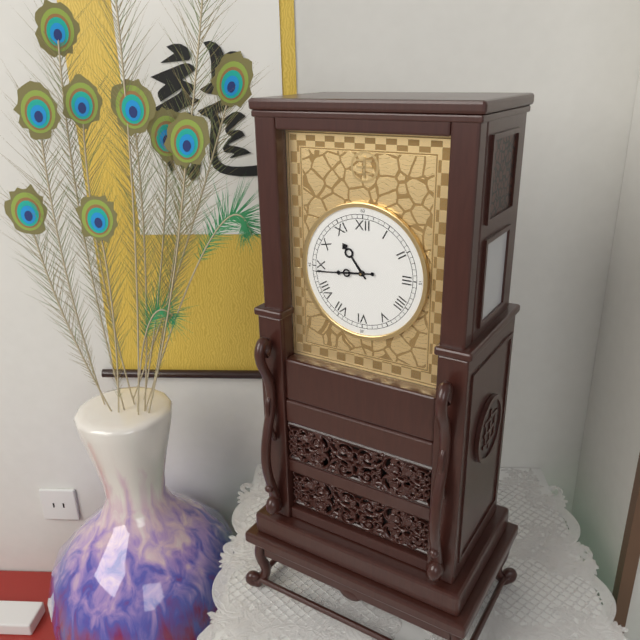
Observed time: 10h44
